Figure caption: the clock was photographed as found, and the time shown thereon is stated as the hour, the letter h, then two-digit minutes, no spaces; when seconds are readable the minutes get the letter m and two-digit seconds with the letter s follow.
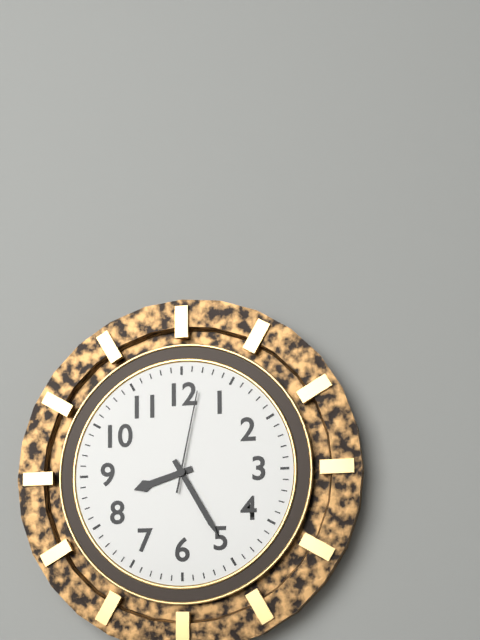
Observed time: 8h25m02s
